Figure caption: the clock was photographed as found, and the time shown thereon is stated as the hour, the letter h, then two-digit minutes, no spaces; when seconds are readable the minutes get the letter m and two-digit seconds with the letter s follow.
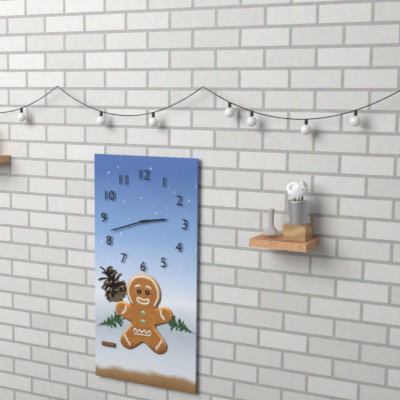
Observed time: 2h42
